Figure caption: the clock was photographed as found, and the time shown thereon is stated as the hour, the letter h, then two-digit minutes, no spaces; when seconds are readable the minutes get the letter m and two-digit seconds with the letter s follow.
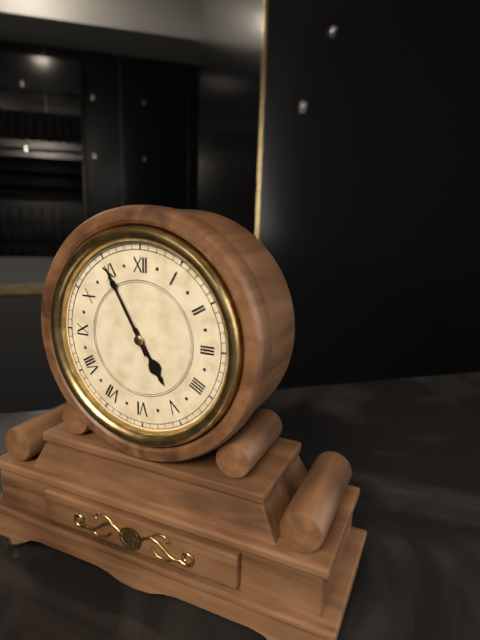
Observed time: 4h55
